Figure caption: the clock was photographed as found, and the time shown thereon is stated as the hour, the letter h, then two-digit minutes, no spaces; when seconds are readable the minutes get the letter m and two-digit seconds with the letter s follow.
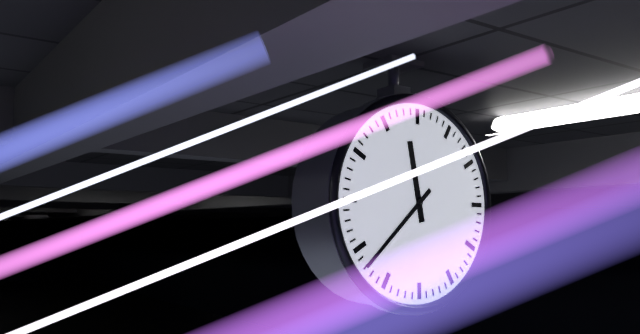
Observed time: 11h38
